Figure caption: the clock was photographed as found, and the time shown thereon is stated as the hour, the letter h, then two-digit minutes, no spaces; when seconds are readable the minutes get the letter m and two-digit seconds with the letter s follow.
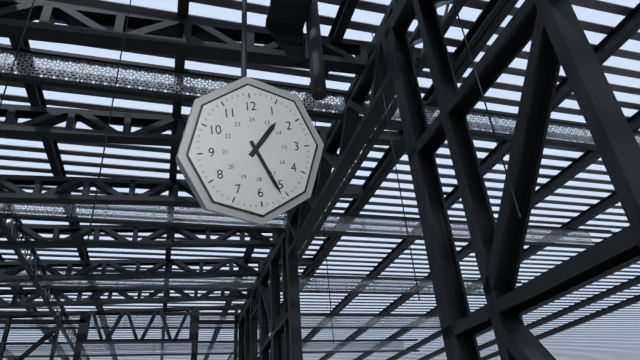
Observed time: 1h26
